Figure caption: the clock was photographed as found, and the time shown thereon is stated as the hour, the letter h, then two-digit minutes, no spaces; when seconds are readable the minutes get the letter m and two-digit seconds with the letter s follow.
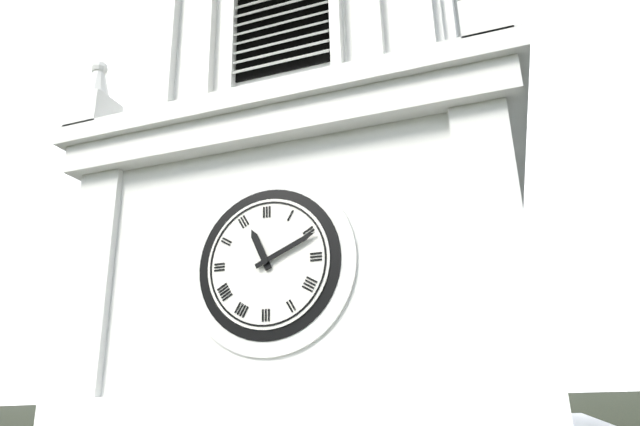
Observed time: 11h11
